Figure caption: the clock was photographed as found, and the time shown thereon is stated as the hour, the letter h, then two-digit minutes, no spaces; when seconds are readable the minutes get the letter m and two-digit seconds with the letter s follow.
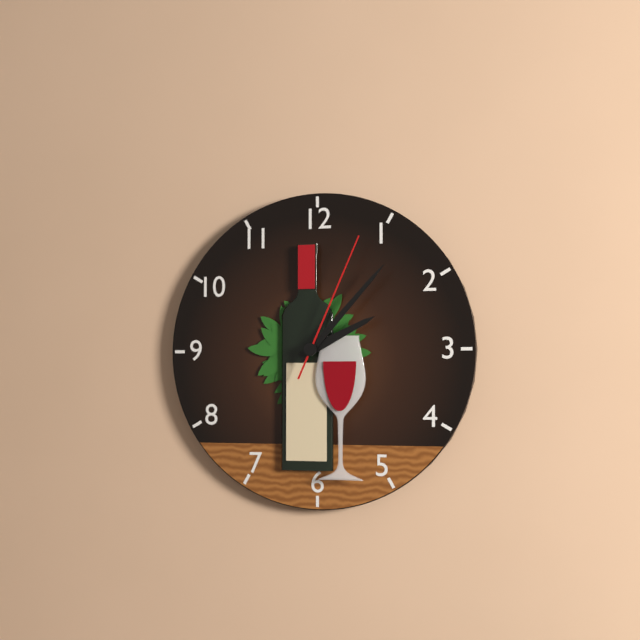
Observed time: 2h07m04s
